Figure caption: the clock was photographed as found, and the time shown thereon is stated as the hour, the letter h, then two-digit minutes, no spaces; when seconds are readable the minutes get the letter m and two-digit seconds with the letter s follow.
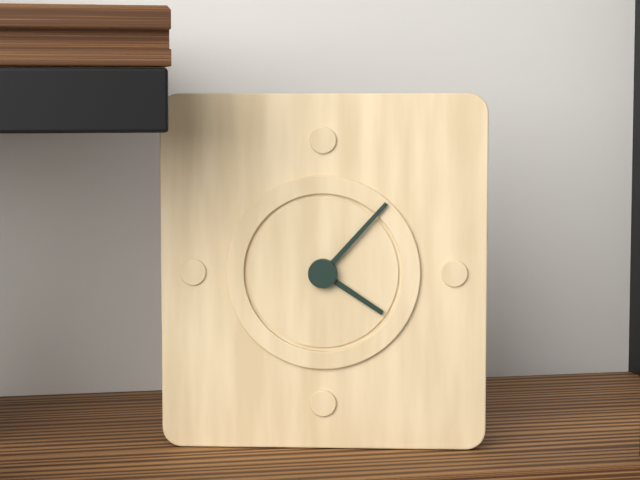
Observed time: 4h07
